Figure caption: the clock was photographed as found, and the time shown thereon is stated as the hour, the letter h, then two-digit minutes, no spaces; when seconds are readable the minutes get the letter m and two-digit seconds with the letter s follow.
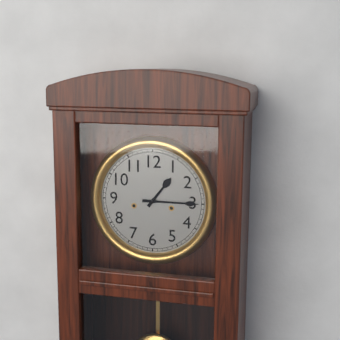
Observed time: 1h15
